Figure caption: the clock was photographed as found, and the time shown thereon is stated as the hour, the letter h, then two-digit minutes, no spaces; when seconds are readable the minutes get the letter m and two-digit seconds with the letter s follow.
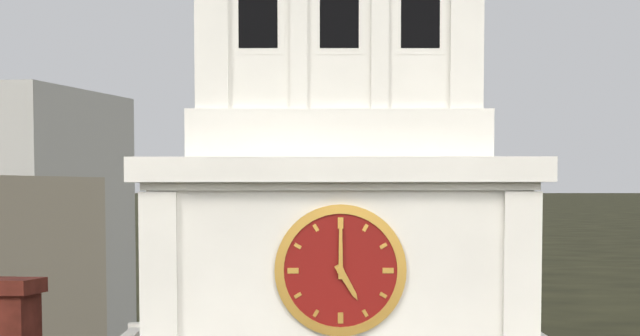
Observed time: 5h00
